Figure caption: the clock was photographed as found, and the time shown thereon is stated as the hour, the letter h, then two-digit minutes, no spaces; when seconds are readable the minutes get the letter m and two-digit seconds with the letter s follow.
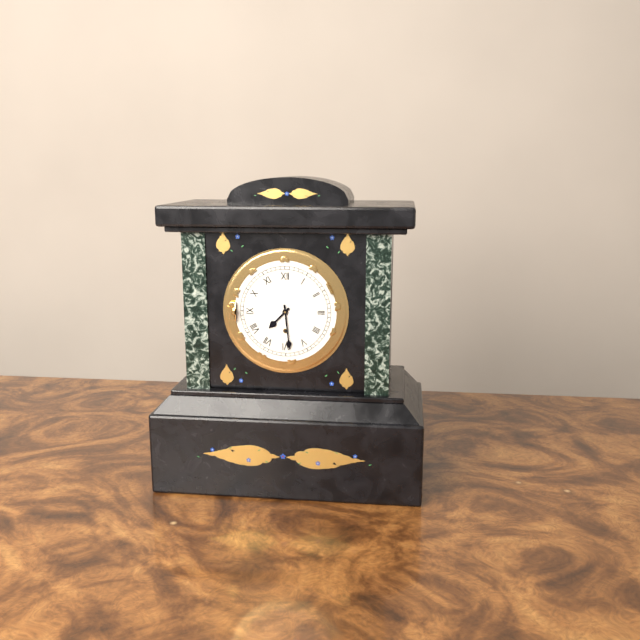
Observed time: 7h29
